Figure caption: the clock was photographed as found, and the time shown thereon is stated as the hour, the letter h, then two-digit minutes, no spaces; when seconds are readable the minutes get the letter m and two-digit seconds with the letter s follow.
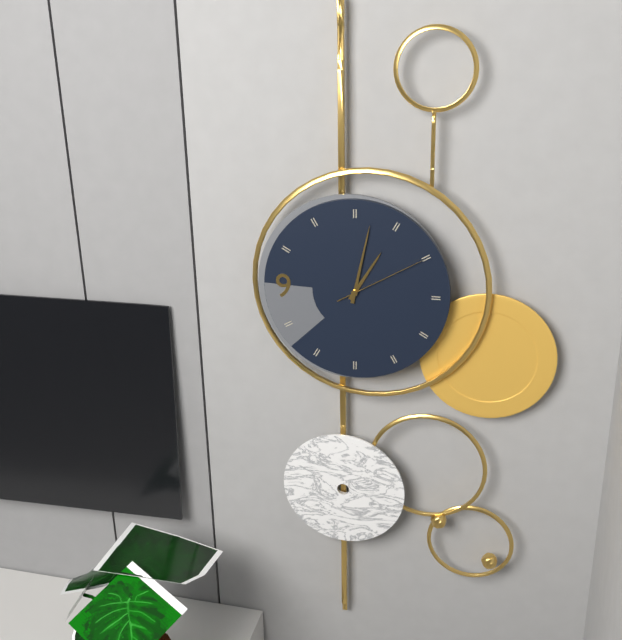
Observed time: 1h02m10s
